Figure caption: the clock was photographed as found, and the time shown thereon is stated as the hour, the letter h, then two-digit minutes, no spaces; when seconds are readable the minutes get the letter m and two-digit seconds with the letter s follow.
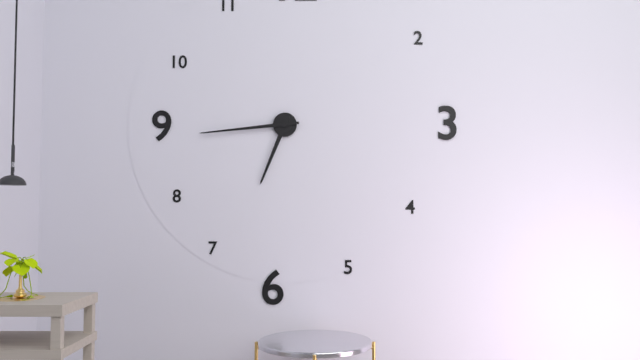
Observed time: 6h44
